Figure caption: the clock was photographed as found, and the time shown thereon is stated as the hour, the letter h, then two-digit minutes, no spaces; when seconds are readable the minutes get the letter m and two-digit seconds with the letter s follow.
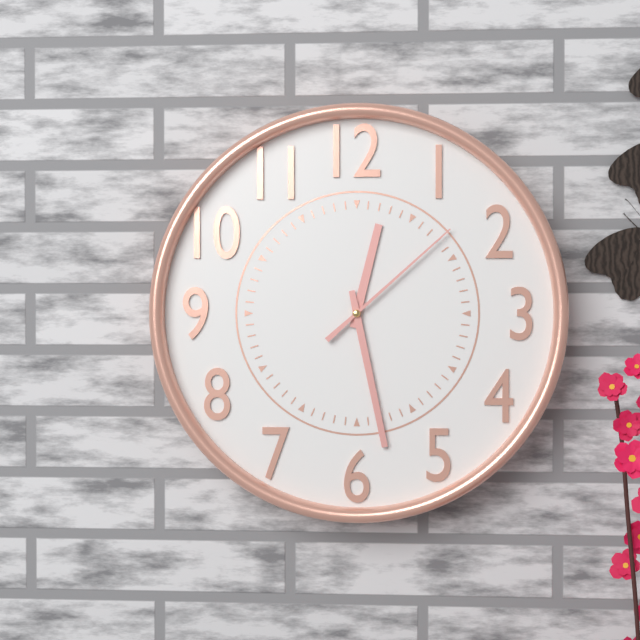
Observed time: 12h28m08s
